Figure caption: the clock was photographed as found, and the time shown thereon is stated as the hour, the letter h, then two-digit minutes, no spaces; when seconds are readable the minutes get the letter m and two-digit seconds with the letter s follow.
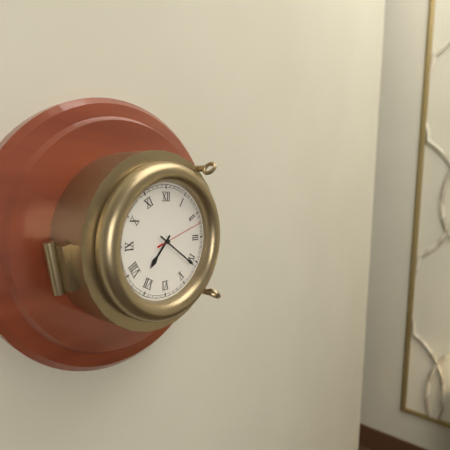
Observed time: 7h21
